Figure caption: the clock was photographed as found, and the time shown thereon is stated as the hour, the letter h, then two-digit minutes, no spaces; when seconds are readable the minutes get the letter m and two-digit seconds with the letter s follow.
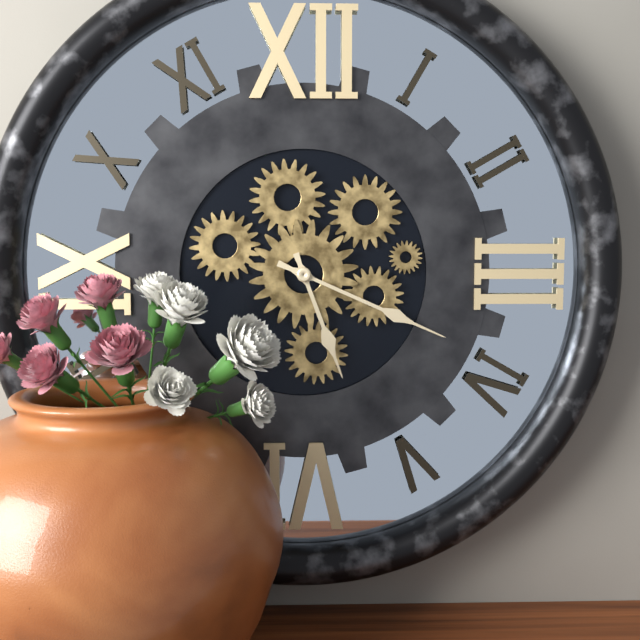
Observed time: 5h19
